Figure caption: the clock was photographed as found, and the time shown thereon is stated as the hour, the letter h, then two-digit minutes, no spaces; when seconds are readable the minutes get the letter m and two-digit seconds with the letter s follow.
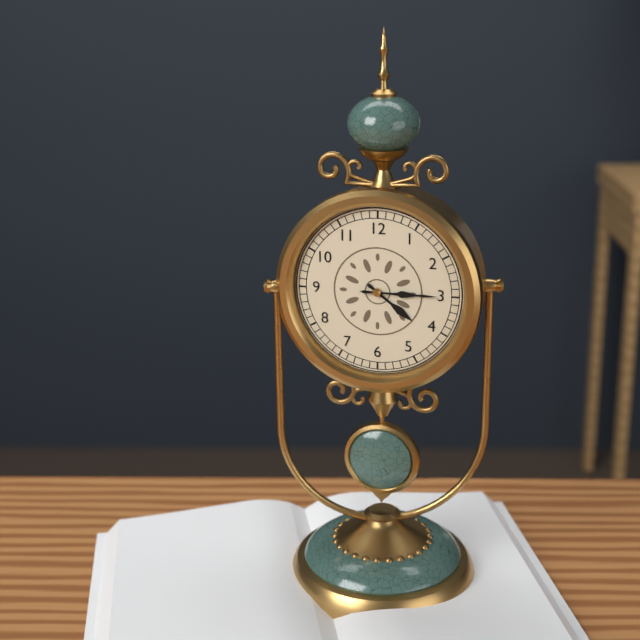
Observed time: 4h15
